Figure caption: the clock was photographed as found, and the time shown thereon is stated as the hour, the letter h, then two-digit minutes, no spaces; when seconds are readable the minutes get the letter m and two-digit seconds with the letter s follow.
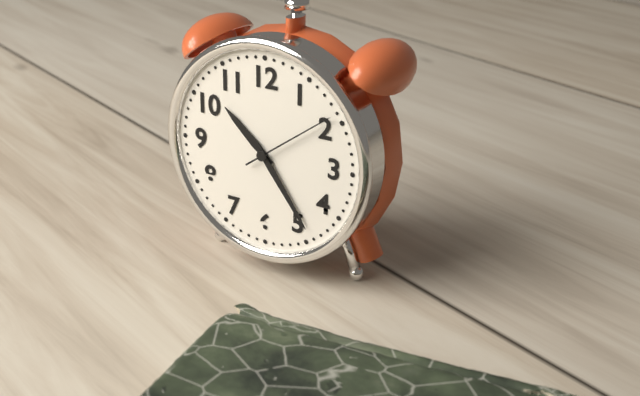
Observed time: 10h24m09s
